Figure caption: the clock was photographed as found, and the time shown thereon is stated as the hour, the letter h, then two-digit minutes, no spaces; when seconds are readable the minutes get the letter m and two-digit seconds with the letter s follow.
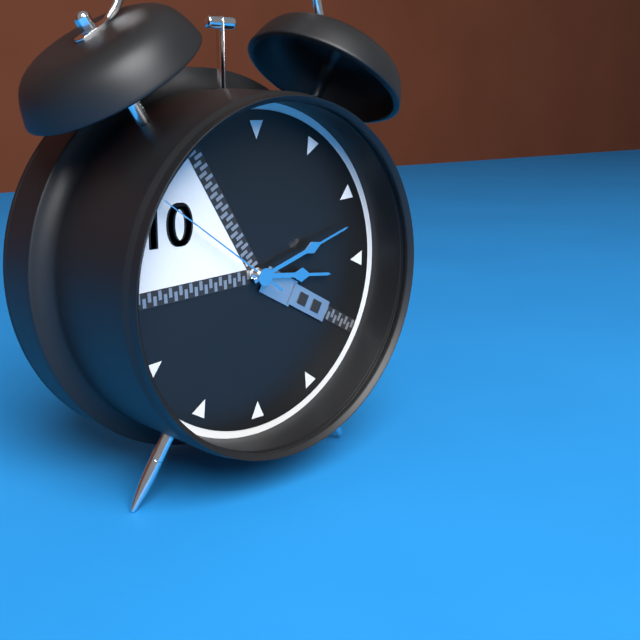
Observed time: 3h12m51s
